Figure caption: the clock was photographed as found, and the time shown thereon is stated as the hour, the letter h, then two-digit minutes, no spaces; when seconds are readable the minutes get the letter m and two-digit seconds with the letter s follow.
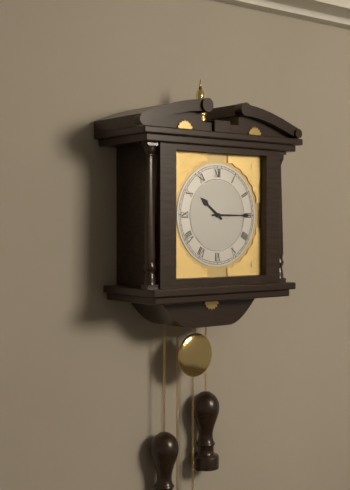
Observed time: 10h15
